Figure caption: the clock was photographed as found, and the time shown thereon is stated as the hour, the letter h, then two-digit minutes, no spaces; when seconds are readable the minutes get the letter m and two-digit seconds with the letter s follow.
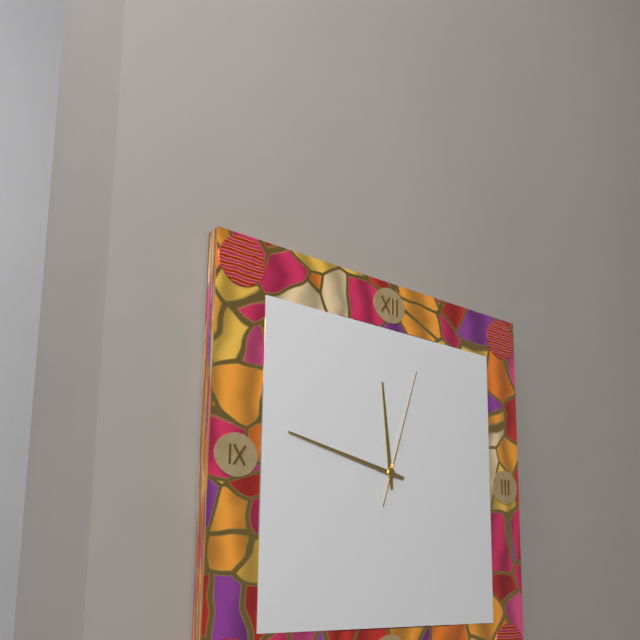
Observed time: 11h47m03s
